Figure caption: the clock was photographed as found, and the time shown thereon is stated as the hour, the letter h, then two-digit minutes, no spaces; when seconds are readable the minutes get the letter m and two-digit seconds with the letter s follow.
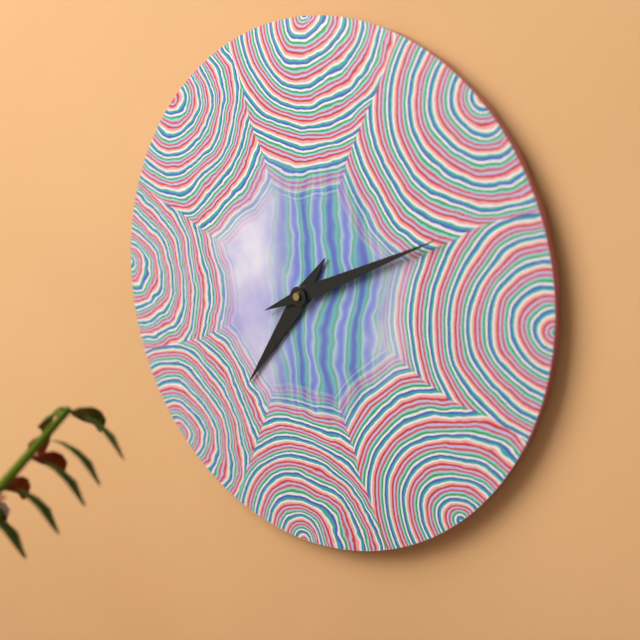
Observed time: 7h11
